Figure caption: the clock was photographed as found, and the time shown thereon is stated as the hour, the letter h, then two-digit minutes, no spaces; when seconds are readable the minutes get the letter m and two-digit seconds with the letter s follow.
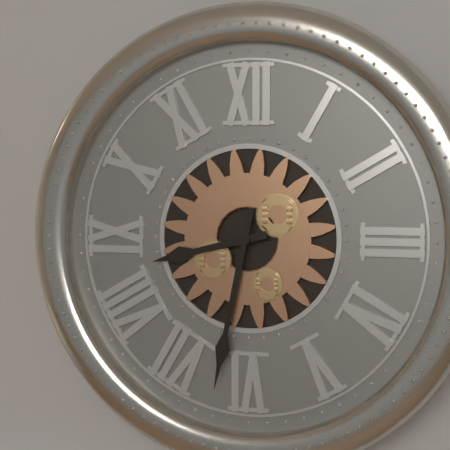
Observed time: 8h32
